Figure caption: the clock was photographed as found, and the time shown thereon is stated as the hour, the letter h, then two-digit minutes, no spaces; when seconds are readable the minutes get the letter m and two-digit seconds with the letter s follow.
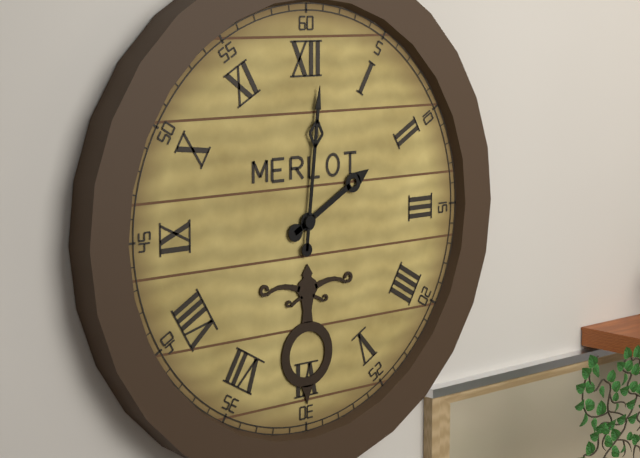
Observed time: 2h01
